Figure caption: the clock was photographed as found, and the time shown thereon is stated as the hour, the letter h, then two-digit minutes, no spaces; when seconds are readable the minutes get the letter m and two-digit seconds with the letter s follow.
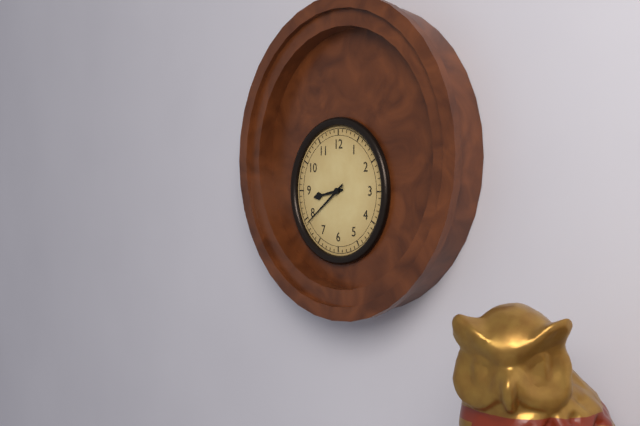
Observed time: 8h39
